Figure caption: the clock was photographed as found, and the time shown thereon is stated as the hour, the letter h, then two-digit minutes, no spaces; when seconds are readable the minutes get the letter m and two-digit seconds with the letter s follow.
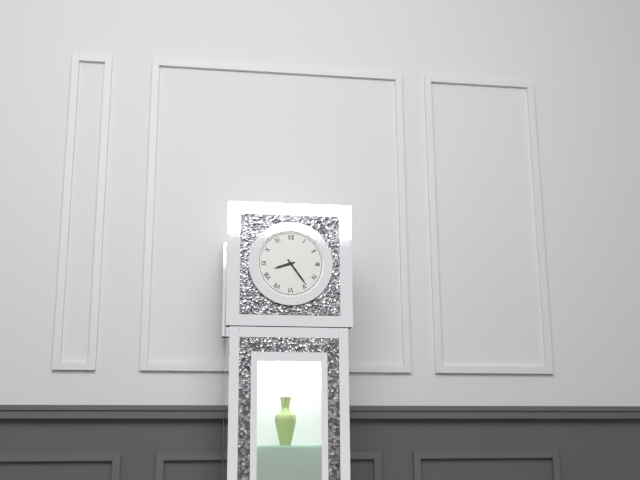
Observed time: 8h24
